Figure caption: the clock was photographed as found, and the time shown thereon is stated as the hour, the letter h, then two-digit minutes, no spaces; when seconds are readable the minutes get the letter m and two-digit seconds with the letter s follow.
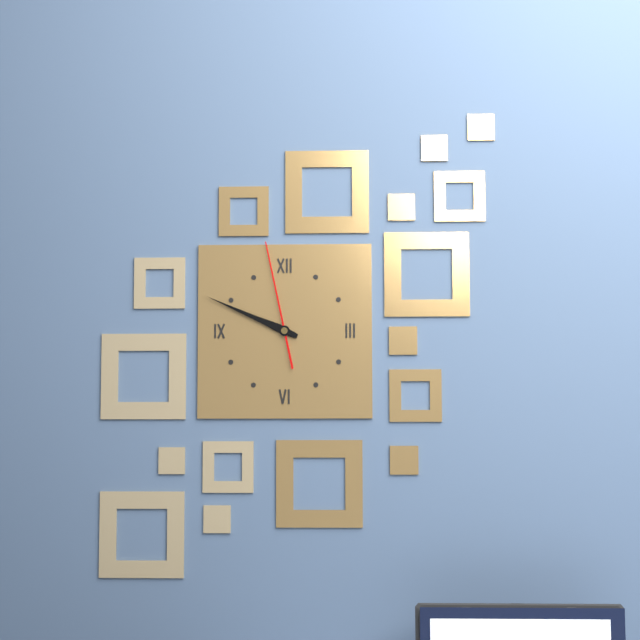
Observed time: 9h49m58s
